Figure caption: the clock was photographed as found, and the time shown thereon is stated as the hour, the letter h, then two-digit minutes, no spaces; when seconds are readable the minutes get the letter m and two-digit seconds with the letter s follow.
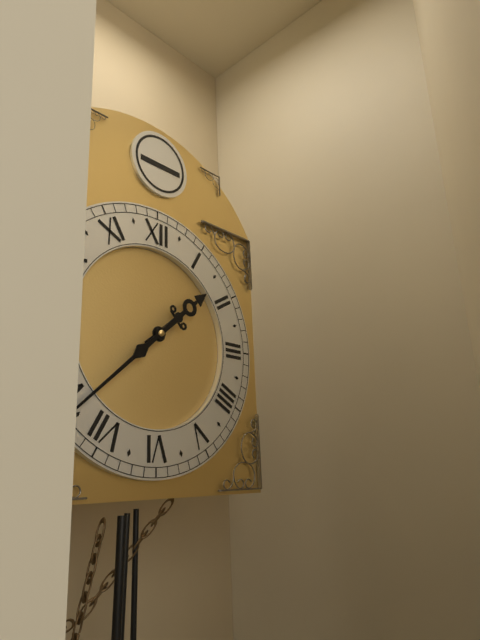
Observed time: 1h38
